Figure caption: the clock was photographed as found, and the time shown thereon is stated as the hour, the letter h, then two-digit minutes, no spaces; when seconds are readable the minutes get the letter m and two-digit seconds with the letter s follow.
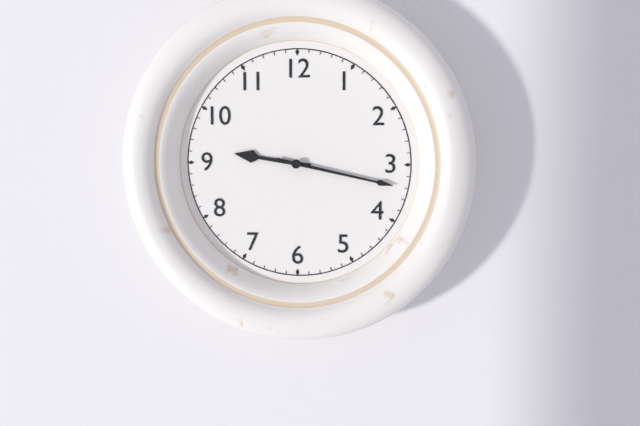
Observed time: 9h17
